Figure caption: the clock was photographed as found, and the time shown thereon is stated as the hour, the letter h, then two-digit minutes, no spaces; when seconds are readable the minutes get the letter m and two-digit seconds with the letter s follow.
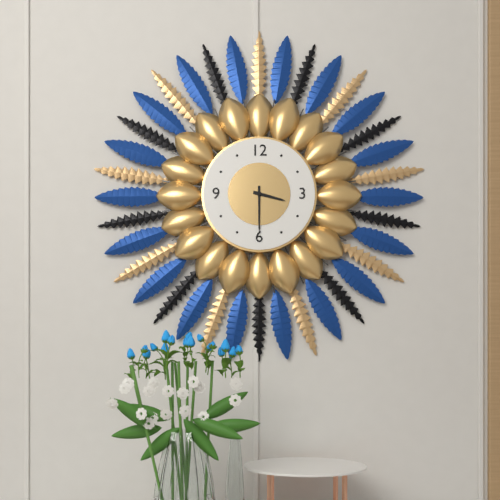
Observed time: 3h30
